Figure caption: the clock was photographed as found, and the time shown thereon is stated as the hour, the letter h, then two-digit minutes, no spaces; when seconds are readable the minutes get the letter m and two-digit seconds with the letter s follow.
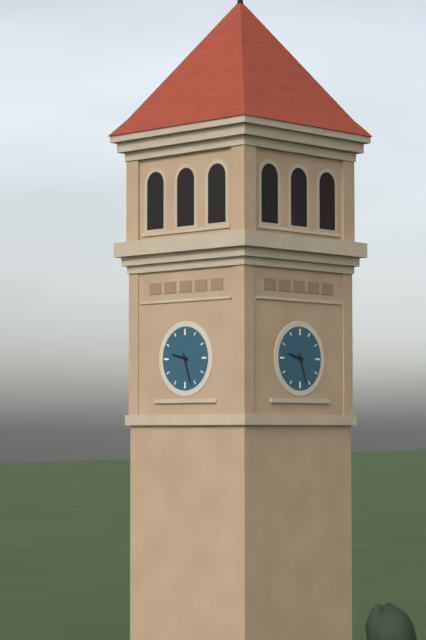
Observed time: 9h27
